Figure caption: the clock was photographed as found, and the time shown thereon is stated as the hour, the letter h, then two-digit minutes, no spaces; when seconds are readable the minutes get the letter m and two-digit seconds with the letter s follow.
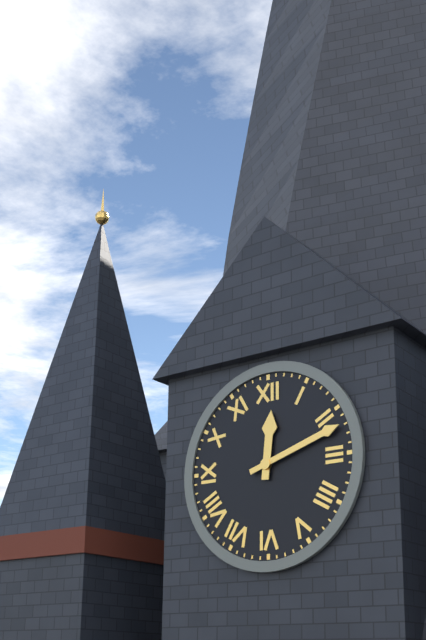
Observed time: 12h12
